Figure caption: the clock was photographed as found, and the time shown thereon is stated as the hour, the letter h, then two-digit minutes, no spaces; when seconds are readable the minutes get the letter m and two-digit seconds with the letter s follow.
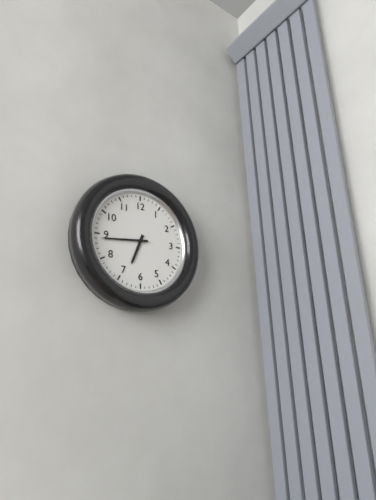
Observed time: 6h44
